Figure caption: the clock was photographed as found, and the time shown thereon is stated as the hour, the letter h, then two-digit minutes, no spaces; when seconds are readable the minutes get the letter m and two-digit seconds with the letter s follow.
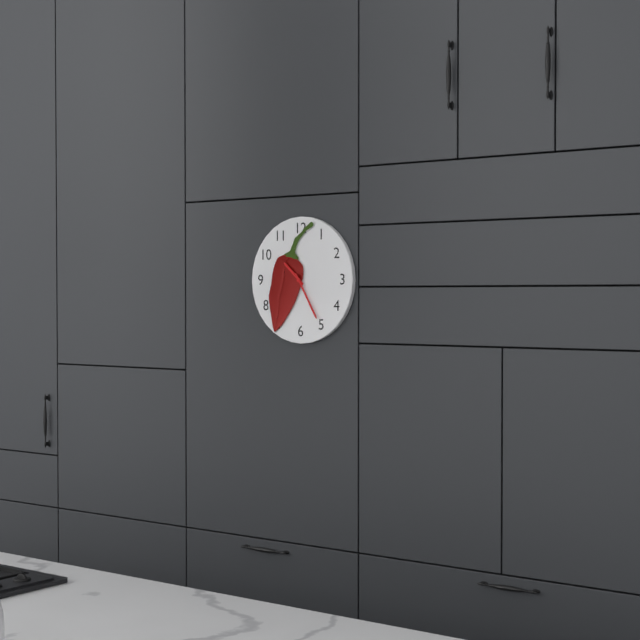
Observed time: 10h25
